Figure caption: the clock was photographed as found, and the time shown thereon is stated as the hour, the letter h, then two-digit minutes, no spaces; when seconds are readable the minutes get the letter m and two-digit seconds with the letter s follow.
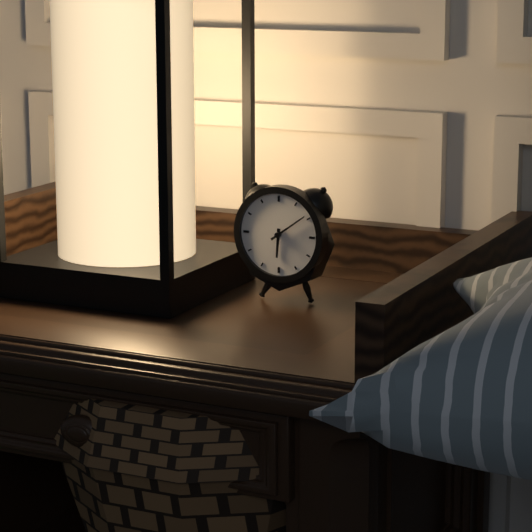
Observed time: 6h09
